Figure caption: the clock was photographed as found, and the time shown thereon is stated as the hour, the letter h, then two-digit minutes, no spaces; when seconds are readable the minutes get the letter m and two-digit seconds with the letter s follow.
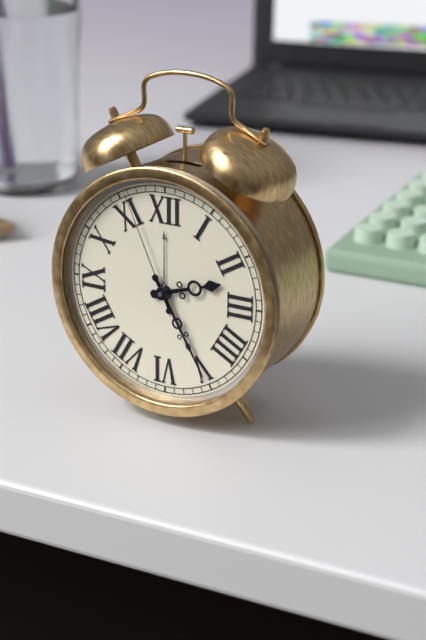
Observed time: 2h25m56s
